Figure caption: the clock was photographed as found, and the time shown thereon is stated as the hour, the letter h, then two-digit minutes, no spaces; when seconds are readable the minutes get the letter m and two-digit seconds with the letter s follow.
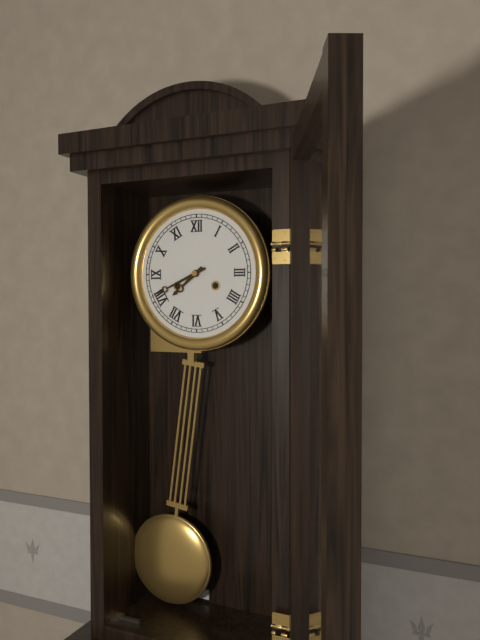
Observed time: 7h41
